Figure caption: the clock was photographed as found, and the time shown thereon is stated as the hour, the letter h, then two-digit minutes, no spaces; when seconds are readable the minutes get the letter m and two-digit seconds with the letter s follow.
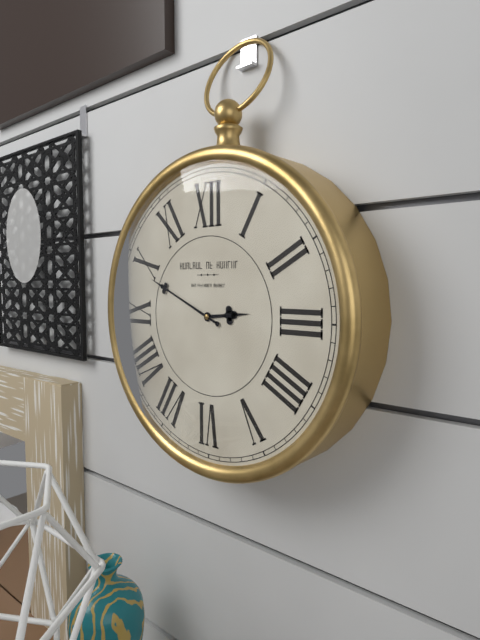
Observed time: 2h49
